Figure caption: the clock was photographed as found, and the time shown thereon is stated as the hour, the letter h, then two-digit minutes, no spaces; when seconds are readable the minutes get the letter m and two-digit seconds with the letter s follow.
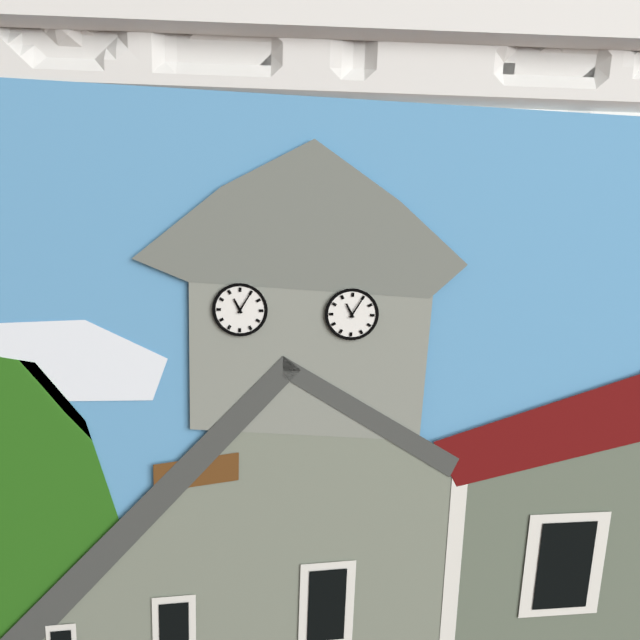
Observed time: 11h05
